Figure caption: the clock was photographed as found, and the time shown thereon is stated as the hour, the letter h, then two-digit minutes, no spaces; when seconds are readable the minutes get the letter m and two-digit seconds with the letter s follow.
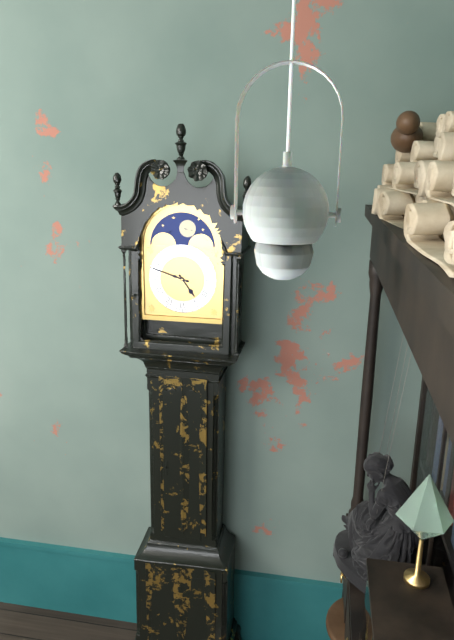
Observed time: 4h48
